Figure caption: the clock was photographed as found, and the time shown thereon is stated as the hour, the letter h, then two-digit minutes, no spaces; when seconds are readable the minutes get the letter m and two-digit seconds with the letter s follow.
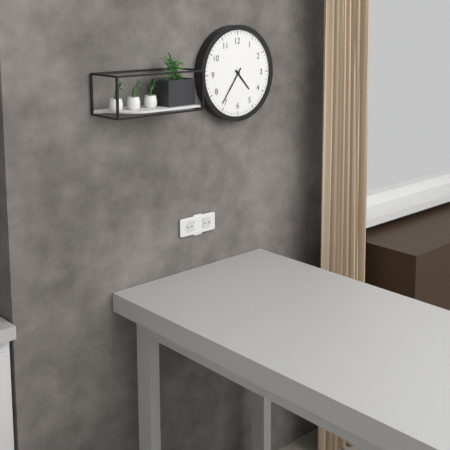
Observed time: 4h36
